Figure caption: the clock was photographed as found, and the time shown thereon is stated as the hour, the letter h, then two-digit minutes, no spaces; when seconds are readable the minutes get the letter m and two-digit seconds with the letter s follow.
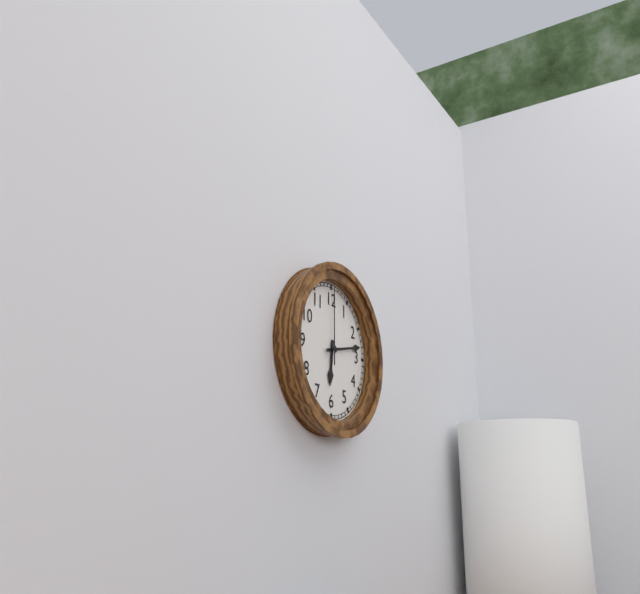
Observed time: 6h13m00s
